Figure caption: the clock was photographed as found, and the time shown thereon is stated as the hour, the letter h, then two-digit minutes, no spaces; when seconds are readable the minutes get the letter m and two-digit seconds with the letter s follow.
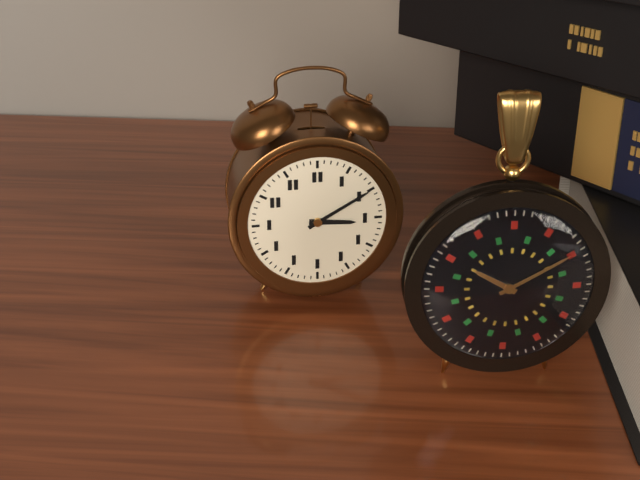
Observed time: 3h10
